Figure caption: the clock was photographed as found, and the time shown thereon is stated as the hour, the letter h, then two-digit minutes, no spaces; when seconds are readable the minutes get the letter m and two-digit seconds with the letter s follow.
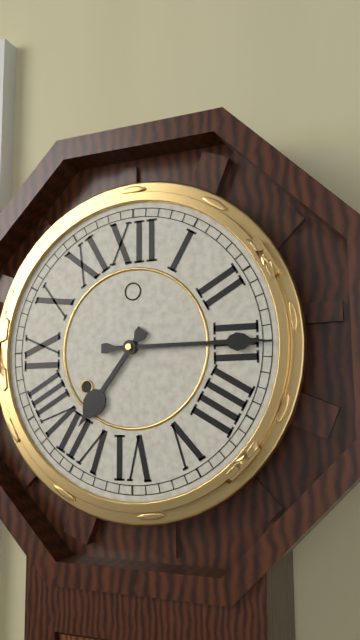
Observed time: 7h15
